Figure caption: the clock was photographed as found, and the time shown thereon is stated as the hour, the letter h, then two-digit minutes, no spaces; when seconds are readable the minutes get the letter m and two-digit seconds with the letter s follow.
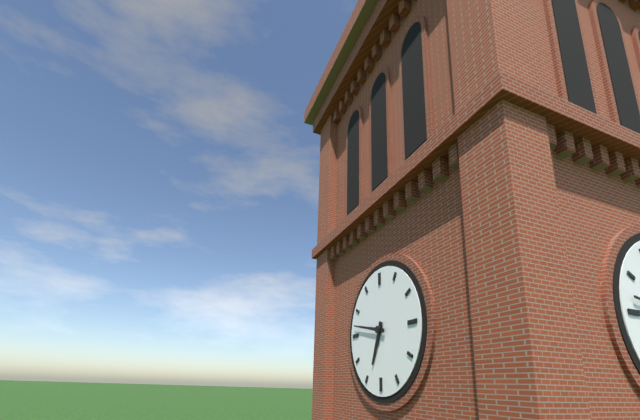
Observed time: 6h47
